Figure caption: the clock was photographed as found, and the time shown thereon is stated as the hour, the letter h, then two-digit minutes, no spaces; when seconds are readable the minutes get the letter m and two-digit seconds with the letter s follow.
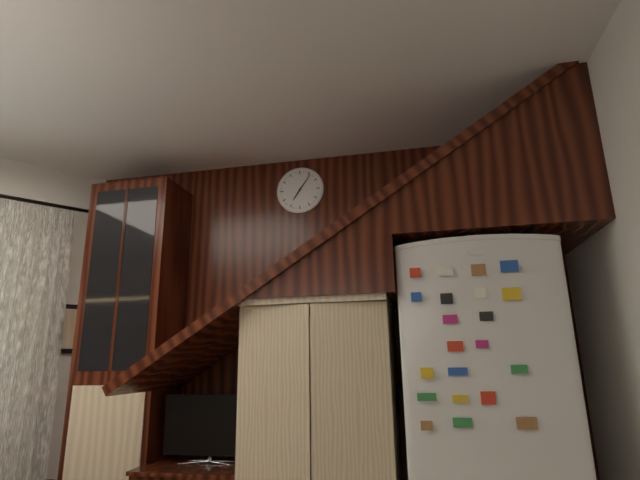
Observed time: 7h06
